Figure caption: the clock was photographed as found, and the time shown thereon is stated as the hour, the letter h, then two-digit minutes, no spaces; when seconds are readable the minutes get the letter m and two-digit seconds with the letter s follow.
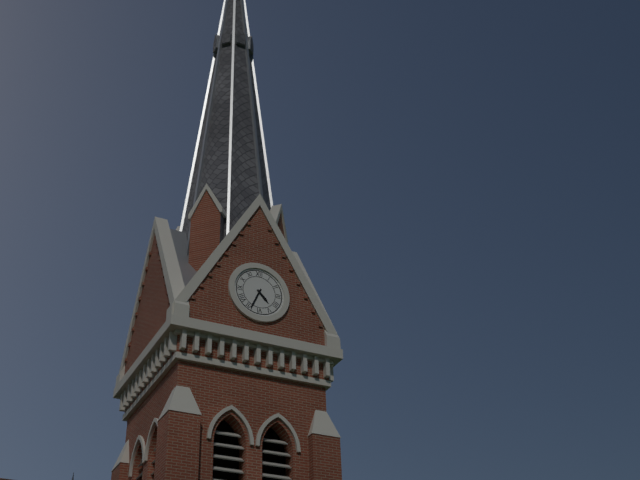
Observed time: 4h34
